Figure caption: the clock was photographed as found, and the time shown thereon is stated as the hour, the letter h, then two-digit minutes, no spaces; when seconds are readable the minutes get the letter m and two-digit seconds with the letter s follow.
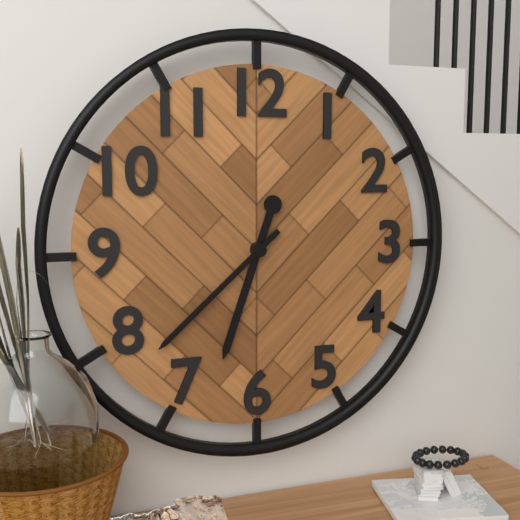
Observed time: 6h38
